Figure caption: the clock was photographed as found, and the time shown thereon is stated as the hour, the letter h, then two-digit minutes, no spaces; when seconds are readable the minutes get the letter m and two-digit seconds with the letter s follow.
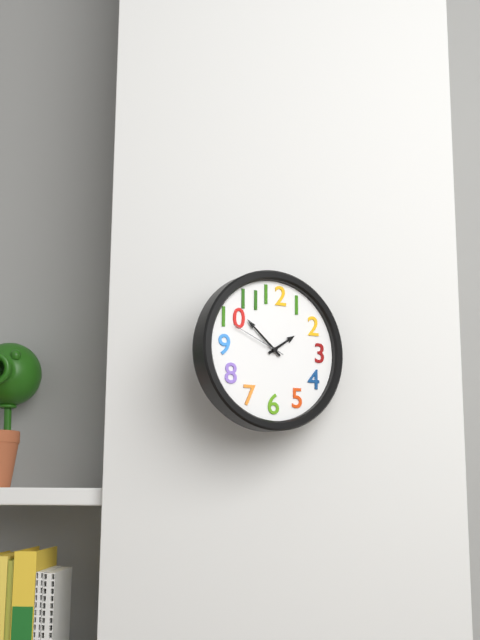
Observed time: 1h52m49s
